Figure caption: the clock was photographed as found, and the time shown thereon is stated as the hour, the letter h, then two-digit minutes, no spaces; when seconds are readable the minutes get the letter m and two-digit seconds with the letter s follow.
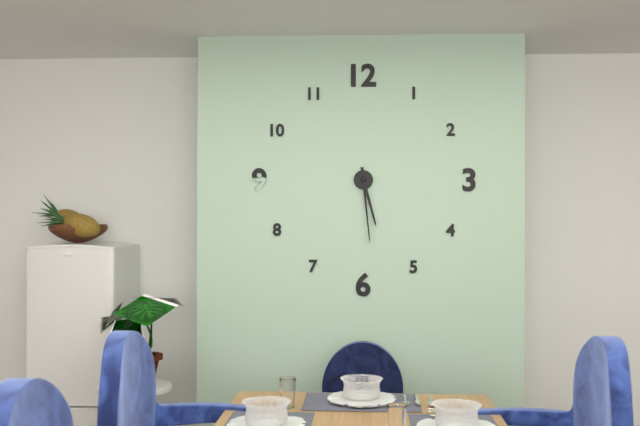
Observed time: 5h29
